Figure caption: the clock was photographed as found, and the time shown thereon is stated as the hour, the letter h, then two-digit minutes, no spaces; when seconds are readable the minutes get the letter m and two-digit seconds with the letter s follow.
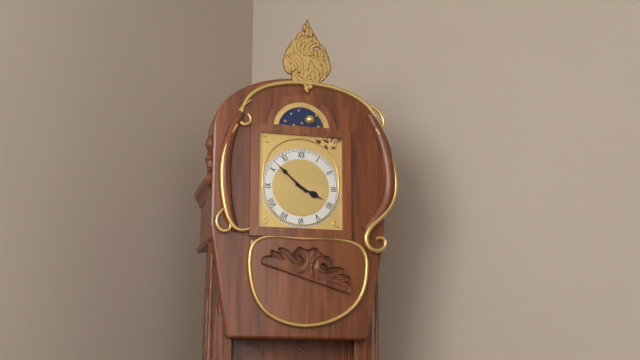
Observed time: 3h52
